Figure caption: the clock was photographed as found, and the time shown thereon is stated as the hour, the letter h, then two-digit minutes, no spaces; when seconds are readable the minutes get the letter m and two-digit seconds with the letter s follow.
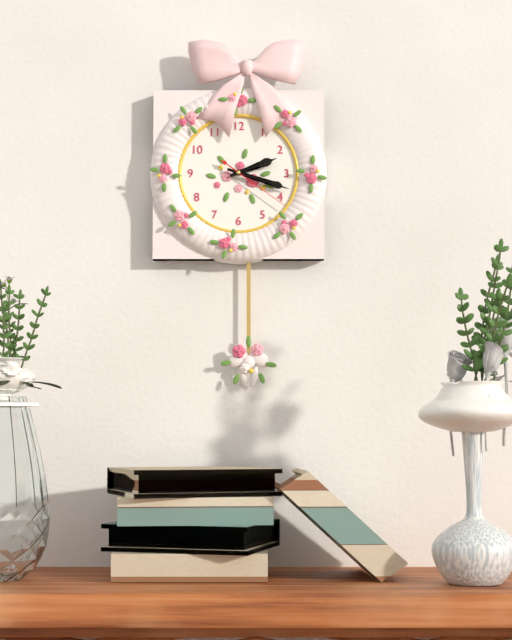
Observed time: 2h18m21s
